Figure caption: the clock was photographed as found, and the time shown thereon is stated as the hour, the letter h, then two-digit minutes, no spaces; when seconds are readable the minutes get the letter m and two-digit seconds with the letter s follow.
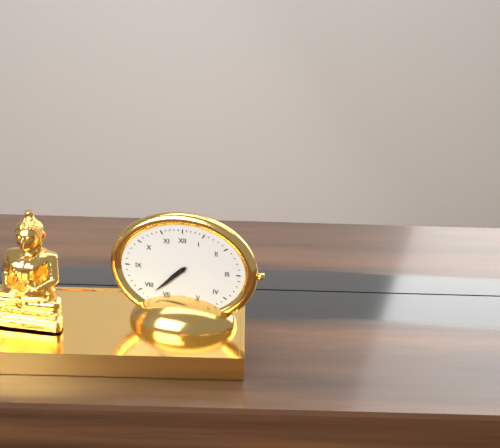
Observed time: 7h38
